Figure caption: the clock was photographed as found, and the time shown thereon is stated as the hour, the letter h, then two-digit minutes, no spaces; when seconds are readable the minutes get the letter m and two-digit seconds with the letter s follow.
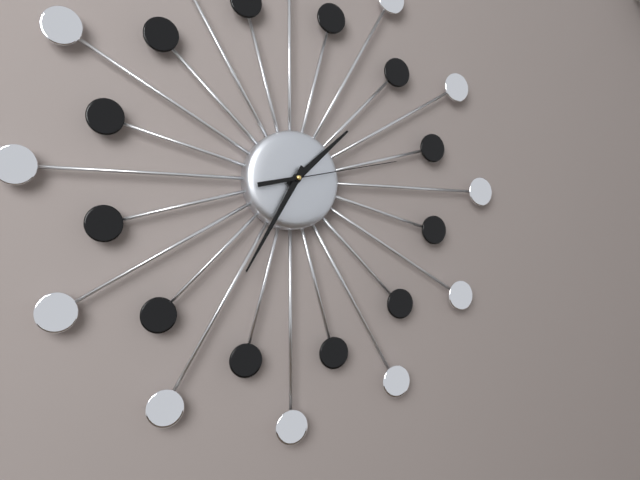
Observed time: 1h35m13s
